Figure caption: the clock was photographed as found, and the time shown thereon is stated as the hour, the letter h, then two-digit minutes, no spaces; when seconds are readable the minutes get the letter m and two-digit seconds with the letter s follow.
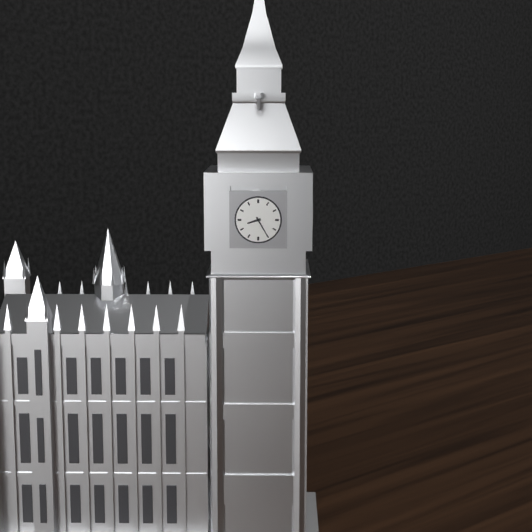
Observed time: 8h25
